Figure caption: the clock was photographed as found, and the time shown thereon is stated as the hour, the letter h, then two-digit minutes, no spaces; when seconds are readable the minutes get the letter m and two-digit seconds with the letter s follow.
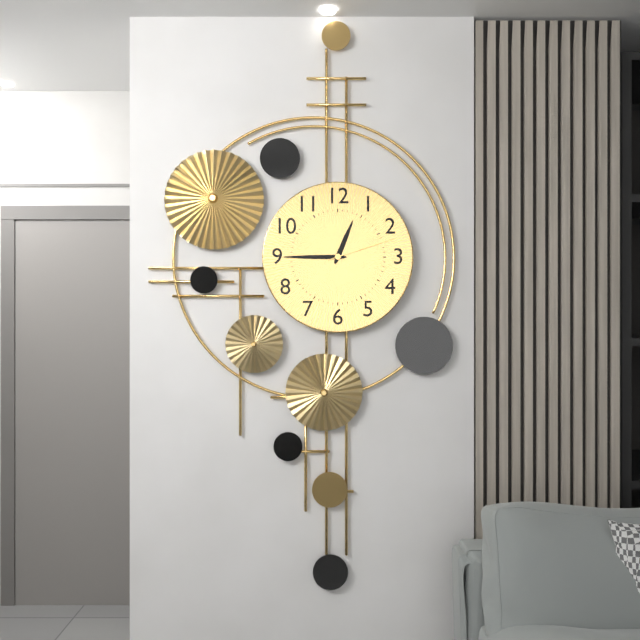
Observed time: 12h45m12s
